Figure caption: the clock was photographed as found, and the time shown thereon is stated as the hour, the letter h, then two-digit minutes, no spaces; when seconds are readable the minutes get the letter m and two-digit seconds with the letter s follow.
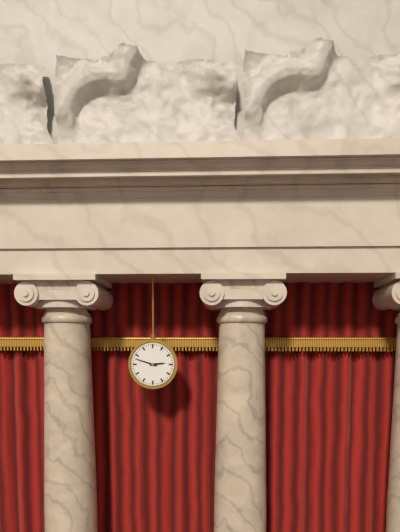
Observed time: 2h48
